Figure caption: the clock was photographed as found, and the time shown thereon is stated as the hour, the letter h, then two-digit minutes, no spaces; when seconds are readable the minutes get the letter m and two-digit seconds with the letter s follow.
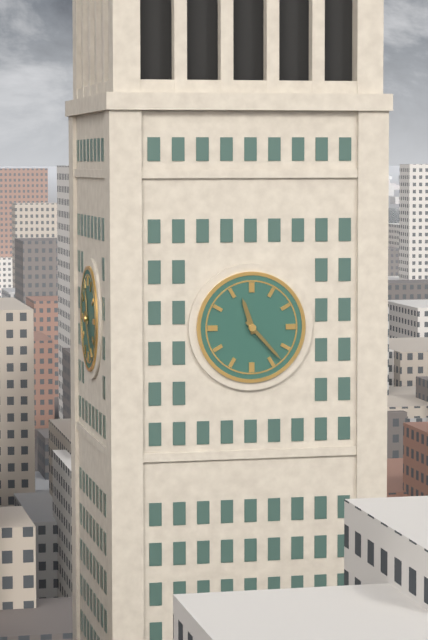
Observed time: 11h23
